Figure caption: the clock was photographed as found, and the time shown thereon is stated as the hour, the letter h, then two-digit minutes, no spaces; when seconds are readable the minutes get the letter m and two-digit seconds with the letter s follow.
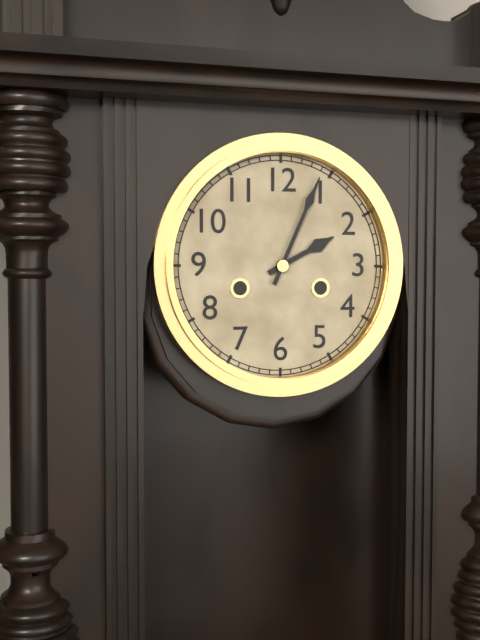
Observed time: 2h04
